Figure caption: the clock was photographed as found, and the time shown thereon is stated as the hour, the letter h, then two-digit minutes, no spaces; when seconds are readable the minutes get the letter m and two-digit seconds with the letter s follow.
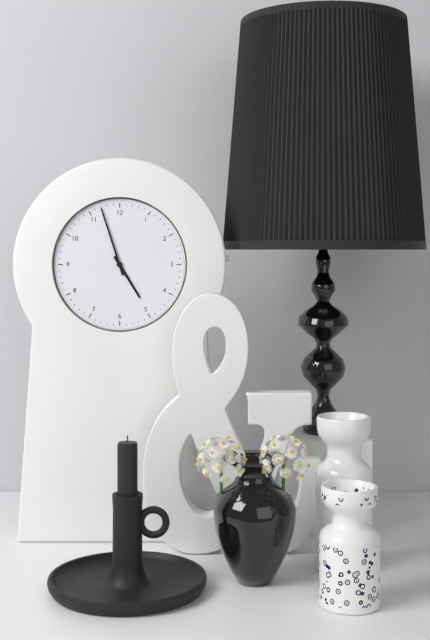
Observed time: 4h57
